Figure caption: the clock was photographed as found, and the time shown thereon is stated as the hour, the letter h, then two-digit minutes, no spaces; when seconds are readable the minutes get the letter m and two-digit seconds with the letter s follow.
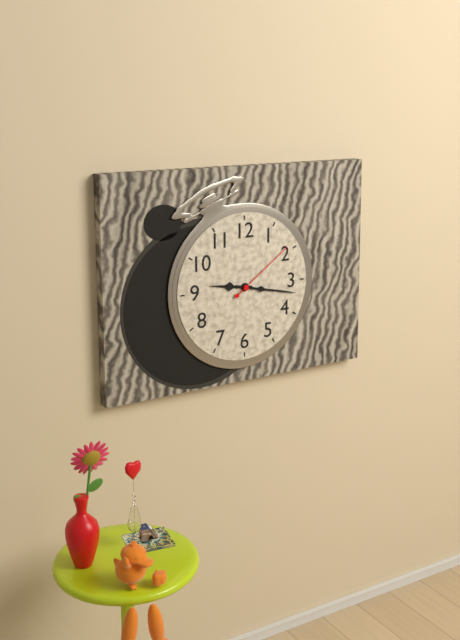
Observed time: 9h17m09s
